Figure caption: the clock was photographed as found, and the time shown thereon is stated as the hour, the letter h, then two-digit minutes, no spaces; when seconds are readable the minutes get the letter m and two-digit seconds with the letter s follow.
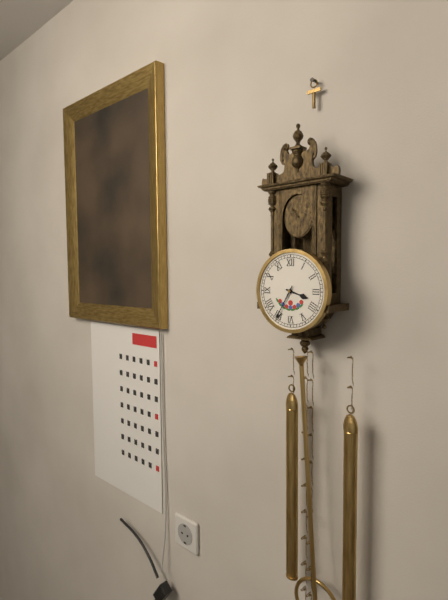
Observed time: 3h35
